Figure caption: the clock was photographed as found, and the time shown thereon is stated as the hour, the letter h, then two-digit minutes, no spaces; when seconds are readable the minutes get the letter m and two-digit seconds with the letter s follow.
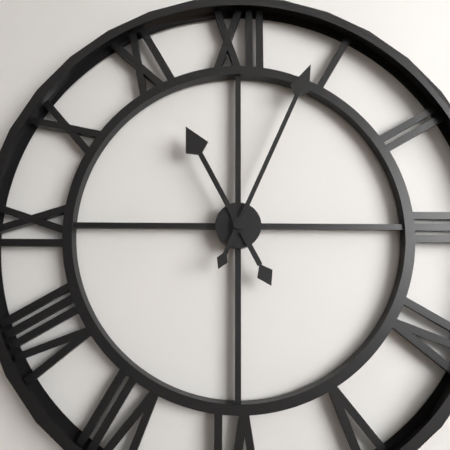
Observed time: 11h04
